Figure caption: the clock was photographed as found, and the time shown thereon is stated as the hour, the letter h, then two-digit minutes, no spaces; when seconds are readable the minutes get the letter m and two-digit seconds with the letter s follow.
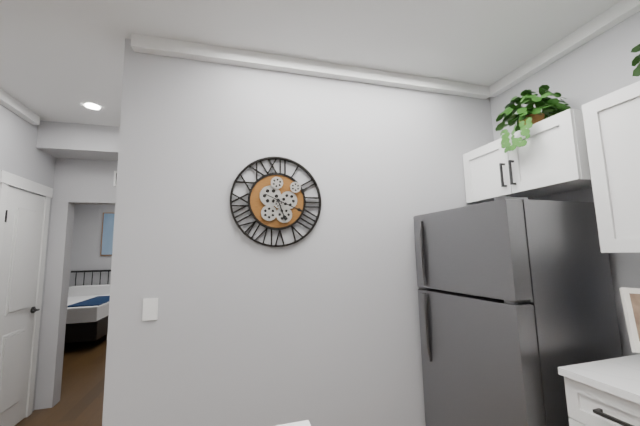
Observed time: 5h19
